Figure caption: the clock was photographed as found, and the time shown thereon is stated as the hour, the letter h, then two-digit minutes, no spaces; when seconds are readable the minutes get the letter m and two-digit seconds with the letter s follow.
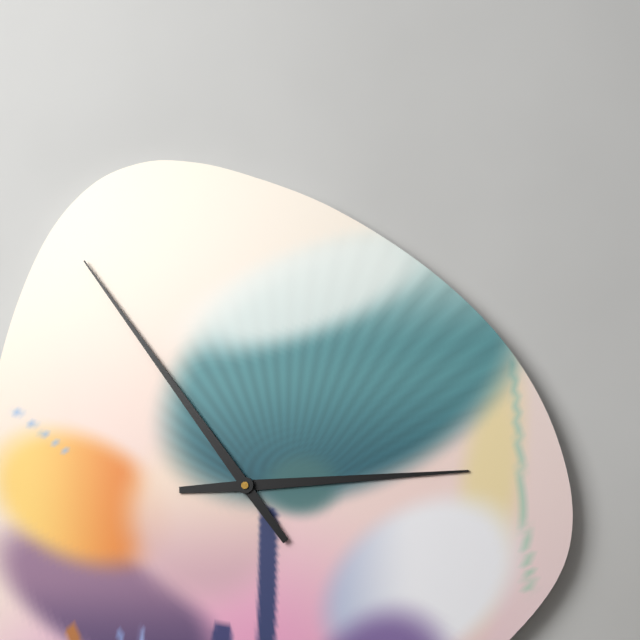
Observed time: 2h54
